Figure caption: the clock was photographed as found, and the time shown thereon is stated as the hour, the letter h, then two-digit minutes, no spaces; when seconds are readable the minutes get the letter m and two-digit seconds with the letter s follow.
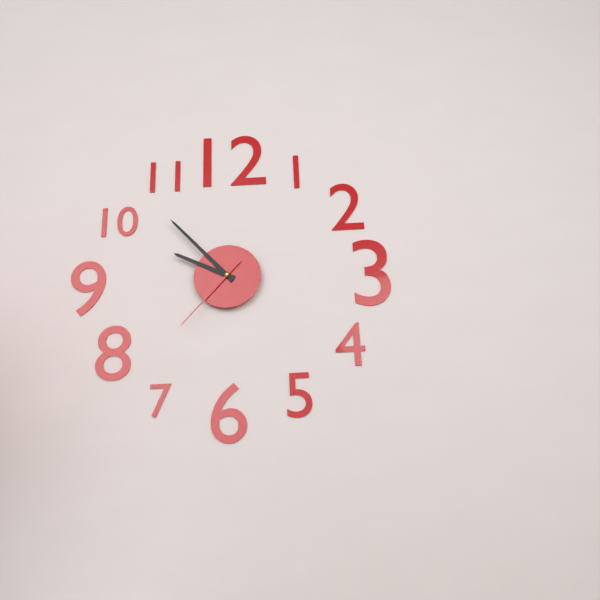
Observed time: 9h53m37s
